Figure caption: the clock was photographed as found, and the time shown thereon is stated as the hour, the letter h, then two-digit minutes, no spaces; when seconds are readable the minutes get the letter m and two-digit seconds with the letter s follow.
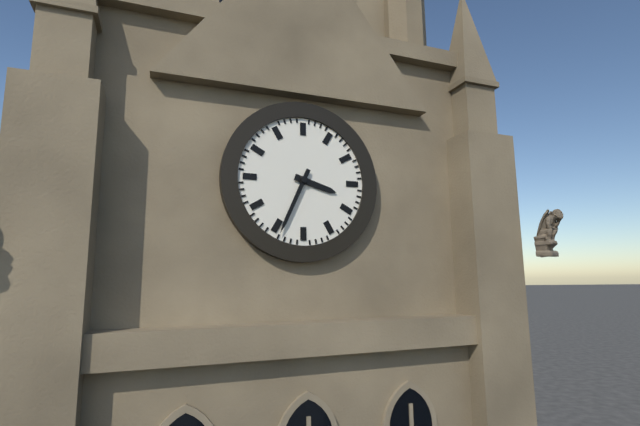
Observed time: 3h34
